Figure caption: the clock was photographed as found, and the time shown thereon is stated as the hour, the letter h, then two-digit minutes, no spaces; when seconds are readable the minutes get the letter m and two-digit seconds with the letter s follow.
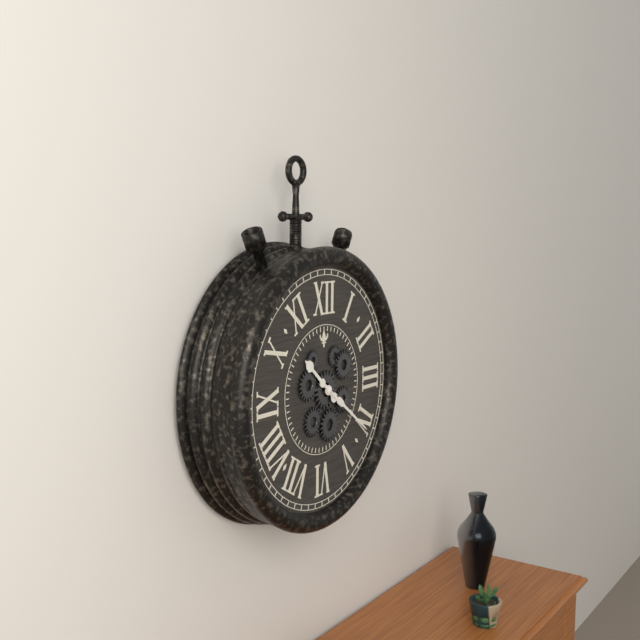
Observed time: 10h21
